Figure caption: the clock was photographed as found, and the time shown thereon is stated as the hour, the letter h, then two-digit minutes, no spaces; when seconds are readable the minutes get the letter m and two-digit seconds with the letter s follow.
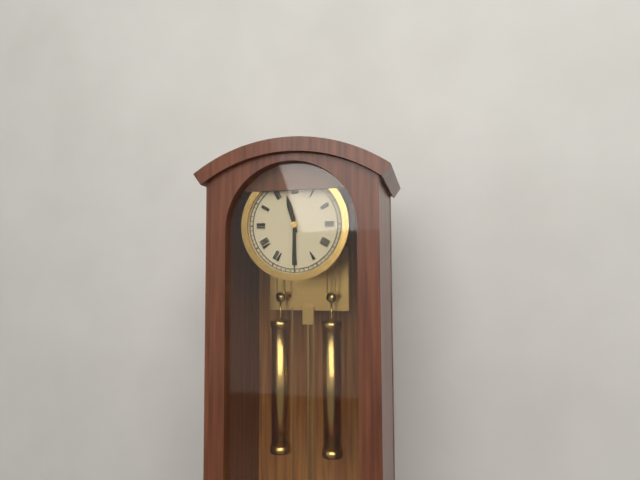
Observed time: 11h30
